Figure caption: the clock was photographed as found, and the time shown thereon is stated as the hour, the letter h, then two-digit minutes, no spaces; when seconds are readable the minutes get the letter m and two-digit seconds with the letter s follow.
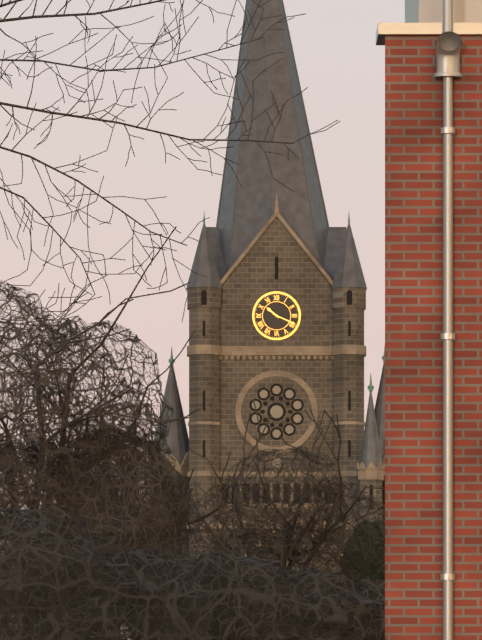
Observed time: 10h19
